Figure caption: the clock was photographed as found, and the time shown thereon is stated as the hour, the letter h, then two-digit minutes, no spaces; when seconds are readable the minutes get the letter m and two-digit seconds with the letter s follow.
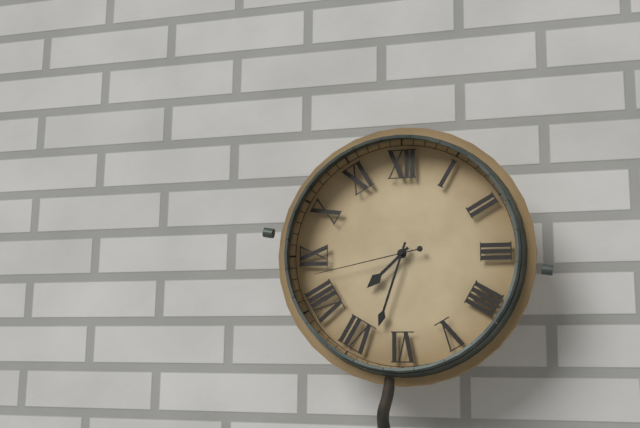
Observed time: 7h33m43s
